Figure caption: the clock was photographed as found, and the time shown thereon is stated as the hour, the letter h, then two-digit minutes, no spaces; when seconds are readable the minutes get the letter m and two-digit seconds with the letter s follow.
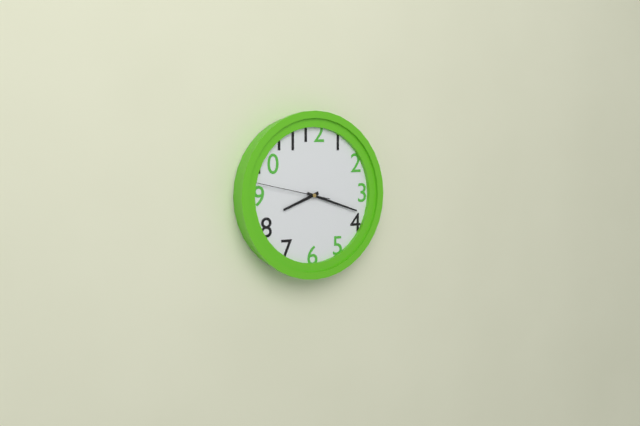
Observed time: 8h18m47s
